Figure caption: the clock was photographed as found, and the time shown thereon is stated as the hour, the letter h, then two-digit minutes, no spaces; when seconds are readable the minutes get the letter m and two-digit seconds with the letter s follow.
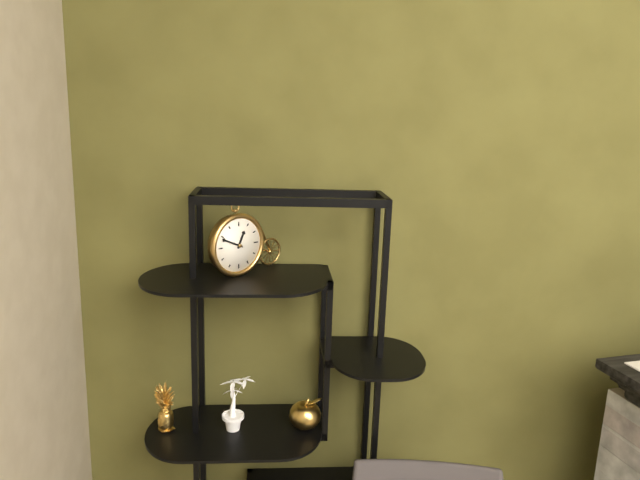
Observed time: 12h49
